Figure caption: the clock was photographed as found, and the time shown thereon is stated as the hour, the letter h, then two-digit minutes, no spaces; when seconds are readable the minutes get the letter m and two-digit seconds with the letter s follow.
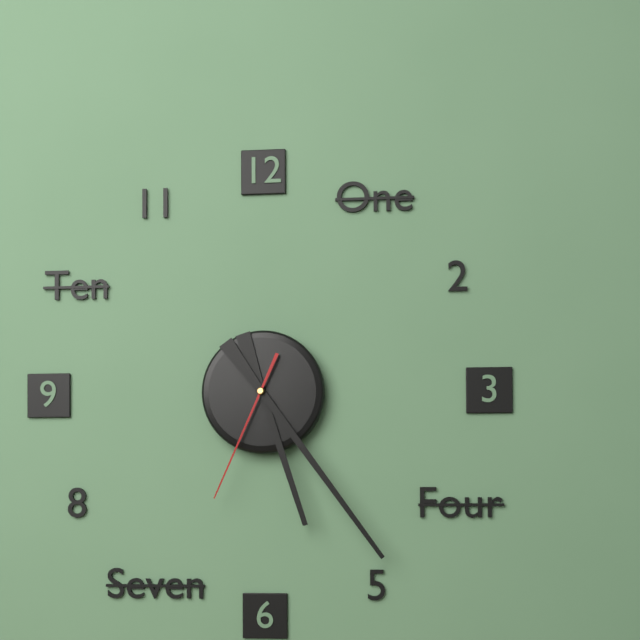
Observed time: 5h24m34s
